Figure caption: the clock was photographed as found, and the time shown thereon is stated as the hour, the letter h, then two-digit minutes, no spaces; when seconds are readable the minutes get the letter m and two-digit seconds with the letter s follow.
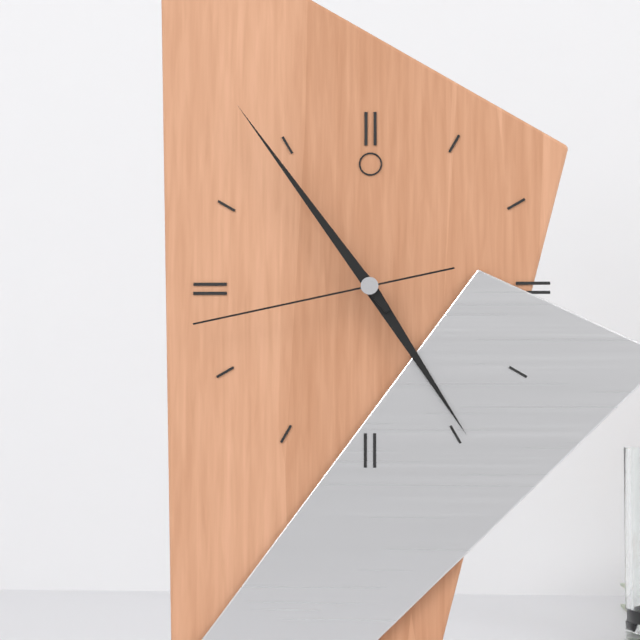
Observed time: 4h54m43s
